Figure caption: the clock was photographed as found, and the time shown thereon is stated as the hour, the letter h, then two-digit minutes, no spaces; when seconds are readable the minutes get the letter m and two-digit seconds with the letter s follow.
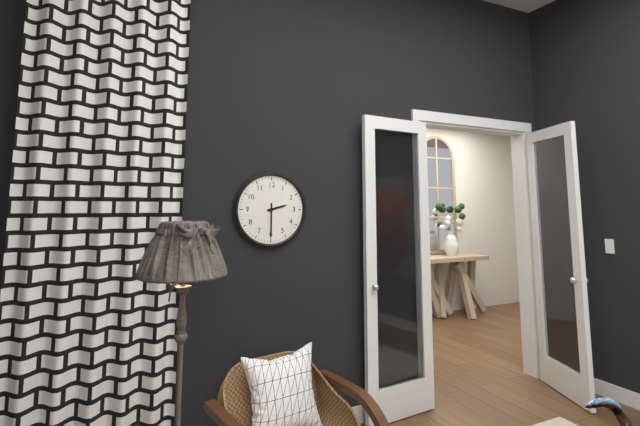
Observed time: 2h30
